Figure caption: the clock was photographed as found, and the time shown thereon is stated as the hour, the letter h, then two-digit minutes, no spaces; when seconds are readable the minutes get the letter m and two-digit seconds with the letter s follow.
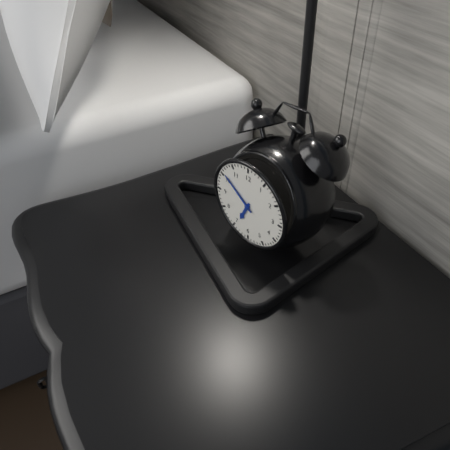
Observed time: 6h51
